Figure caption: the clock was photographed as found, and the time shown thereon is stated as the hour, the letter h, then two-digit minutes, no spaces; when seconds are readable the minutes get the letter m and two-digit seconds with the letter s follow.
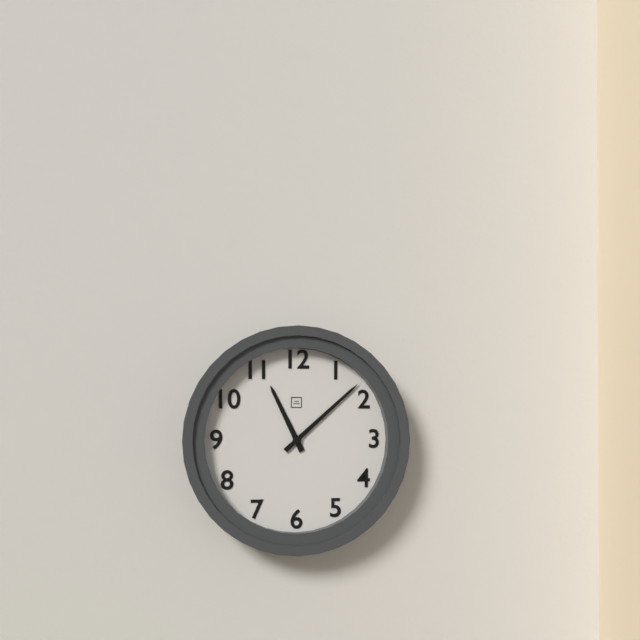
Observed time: 11h08
